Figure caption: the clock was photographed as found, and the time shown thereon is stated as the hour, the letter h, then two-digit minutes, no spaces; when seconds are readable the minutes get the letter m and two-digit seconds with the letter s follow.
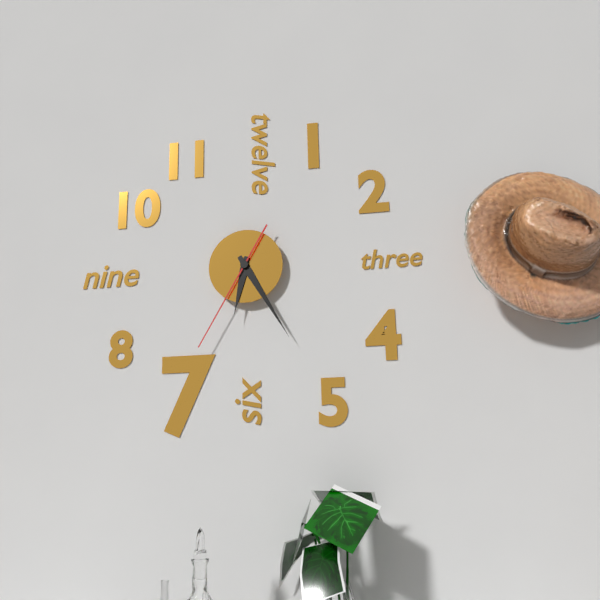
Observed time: 6h25m35s
